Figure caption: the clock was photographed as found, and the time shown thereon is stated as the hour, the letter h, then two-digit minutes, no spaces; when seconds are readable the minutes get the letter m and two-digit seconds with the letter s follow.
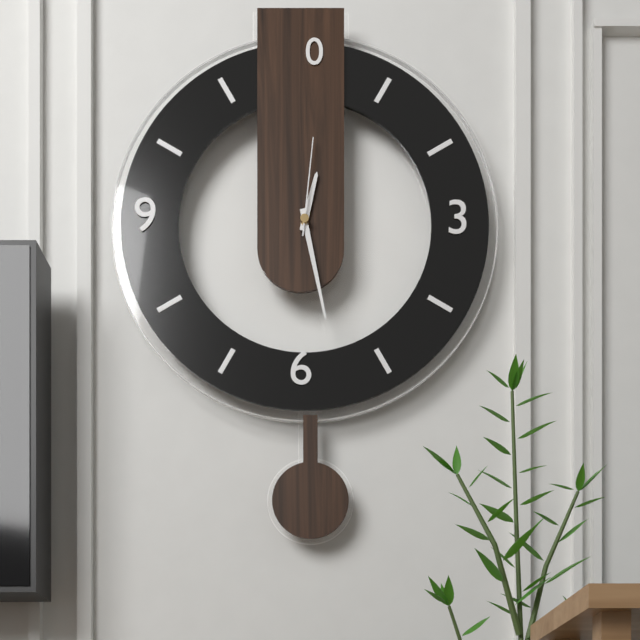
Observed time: 12h28m01s
